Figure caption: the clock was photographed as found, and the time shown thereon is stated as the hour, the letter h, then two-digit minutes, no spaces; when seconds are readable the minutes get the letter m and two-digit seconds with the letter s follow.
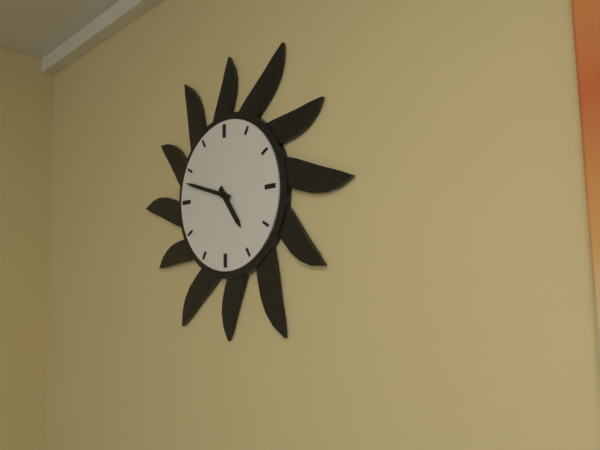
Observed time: 4h48
